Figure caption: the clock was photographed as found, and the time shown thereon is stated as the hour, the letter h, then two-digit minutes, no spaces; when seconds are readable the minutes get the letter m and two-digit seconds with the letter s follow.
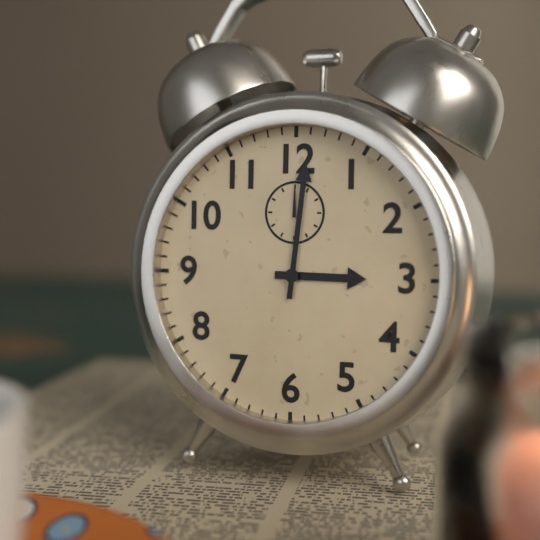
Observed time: 3h01
